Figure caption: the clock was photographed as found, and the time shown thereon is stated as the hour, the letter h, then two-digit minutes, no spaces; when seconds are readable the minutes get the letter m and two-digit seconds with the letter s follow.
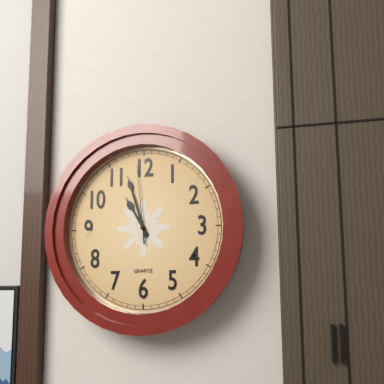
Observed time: 10h57m59s
